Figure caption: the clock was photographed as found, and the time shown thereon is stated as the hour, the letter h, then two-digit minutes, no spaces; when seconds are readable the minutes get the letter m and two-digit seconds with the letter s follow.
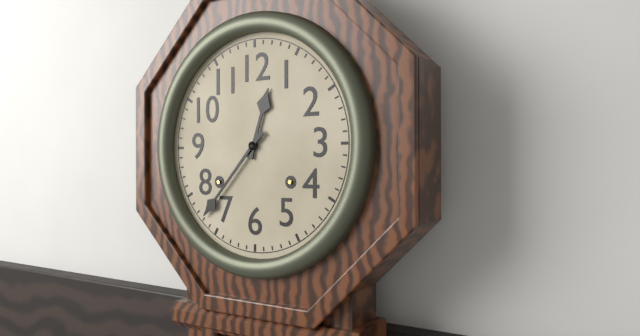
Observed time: 12h37
